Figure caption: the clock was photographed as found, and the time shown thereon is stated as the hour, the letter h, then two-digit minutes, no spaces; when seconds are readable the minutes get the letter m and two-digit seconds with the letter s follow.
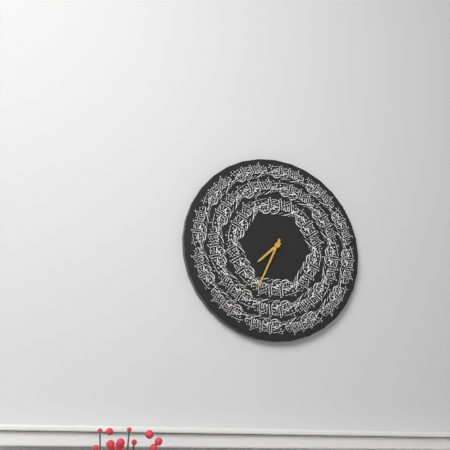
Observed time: 7h34
